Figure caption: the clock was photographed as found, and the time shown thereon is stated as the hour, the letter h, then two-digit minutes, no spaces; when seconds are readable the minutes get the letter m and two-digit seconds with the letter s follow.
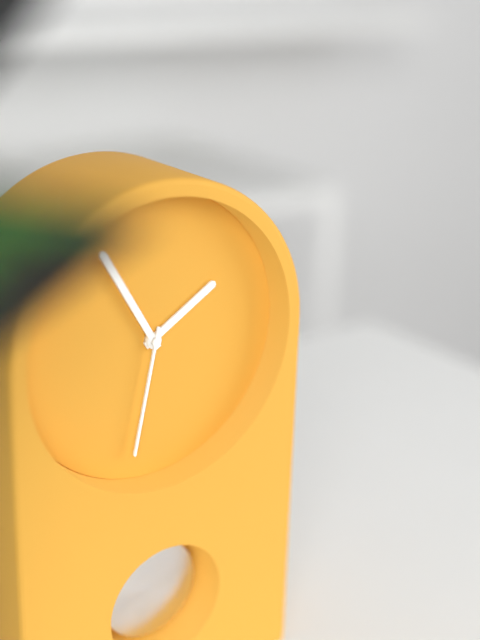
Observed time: 1h55m32s
